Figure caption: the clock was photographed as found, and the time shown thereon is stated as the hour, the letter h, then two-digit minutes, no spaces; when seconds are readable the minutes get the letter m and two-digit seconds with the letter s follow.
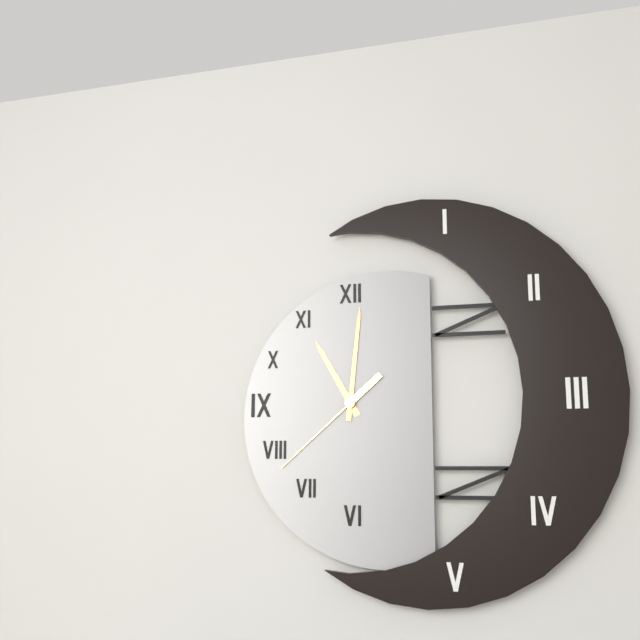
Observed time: 11h01m38s
